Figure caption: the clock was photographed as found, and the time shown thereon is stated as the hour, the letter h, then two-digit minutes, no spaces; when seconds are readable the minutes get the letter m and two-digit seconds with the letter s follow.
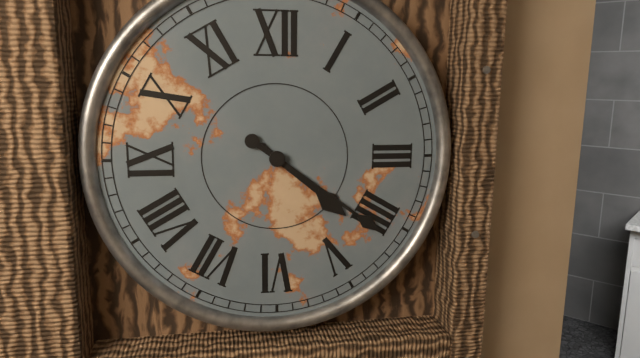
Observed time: 4h21
